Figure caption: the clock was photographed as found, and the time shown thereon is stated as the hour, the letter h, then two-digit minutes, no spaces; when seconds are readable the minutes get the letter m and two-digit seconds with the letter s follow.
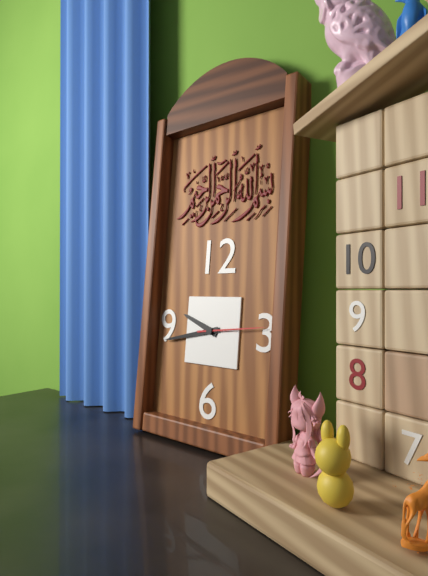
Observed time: 9h43m14s
